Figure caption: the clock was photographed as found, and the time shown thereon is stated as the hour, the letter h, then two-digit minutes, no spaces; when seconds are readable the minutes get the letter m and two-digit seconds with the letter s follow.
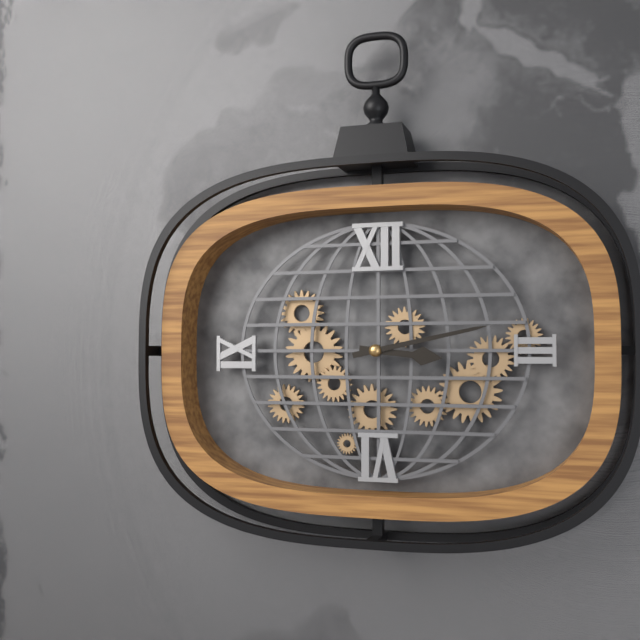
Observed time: 3h13
